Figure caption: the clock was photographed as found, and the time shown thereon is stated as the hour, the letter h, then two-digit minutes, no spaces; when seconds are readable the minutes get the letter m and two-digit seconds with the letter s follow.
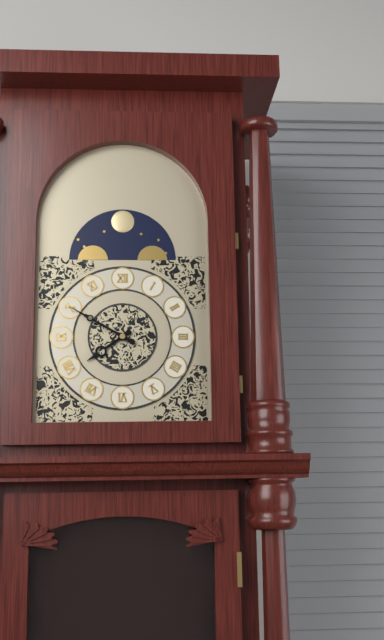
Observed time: 7h50
